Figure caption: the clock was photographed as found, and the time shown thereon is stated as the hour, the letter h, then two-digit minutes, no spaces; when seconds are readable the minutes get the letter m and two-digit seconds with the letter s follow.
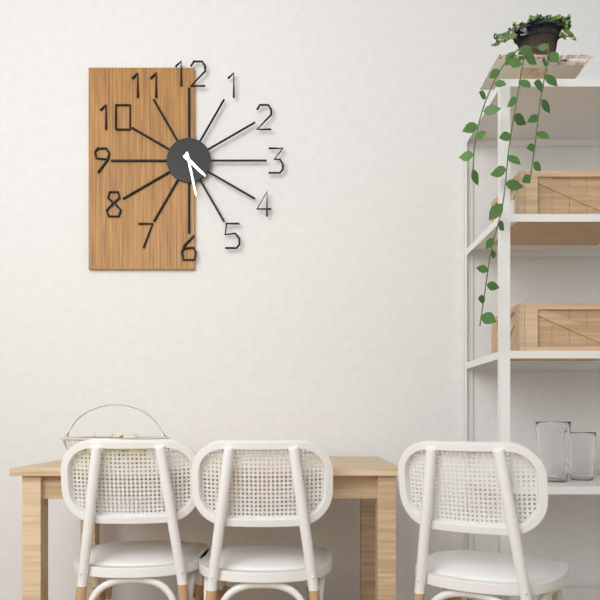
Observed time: 4h28
